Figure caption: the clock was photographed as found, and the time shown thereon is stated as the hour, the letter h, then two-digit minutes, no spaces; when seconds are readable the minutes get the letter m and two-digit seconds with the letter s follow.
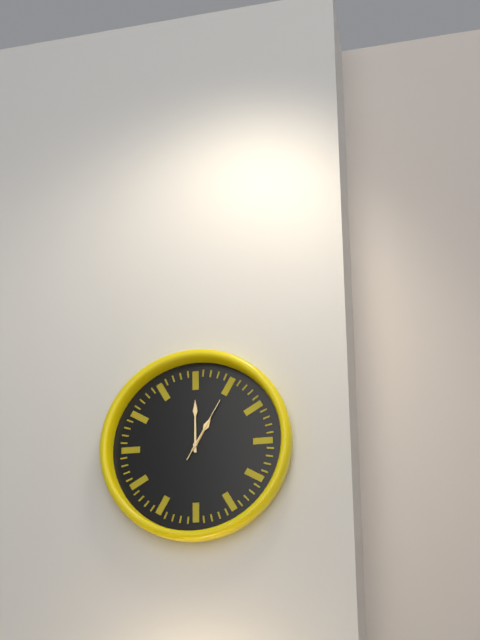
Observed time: 1h00m05s
